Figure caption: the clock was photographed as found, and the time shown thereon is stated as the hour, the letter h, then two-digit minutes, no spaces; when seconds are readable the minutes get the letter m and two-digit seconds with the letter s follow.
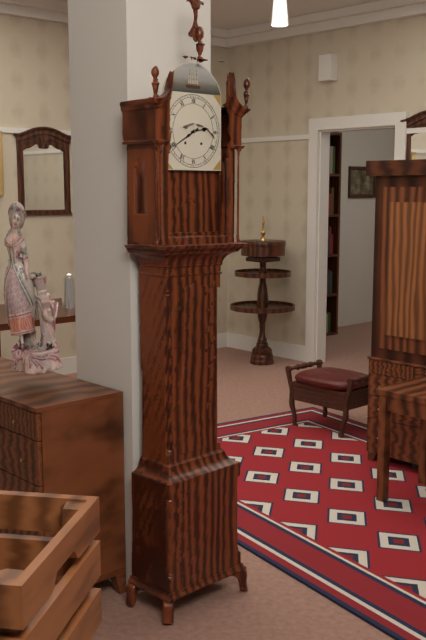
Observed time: 2h40
